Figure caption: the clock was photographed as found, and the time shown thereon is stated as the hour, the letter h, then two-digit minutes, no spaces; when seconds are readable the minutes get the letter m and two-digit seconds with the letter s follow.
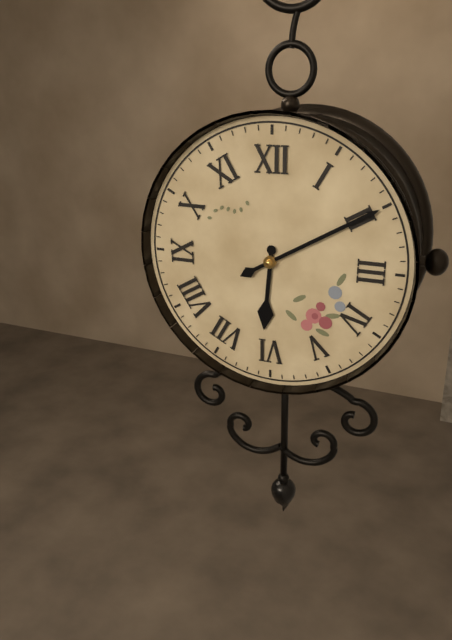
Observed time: 6h10
